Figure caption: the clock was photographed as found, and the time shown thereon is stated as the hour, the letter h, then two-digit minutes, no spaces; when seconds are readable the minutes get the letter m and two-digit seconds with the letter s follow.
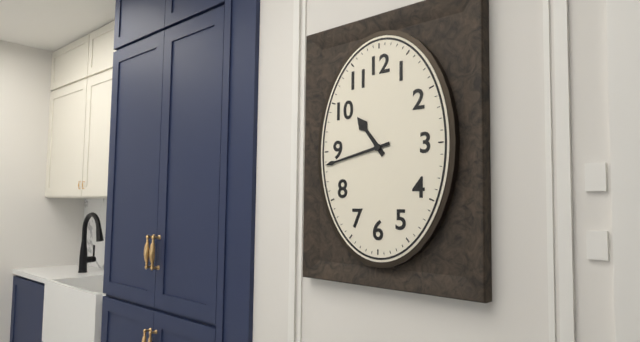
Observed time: 10h43
